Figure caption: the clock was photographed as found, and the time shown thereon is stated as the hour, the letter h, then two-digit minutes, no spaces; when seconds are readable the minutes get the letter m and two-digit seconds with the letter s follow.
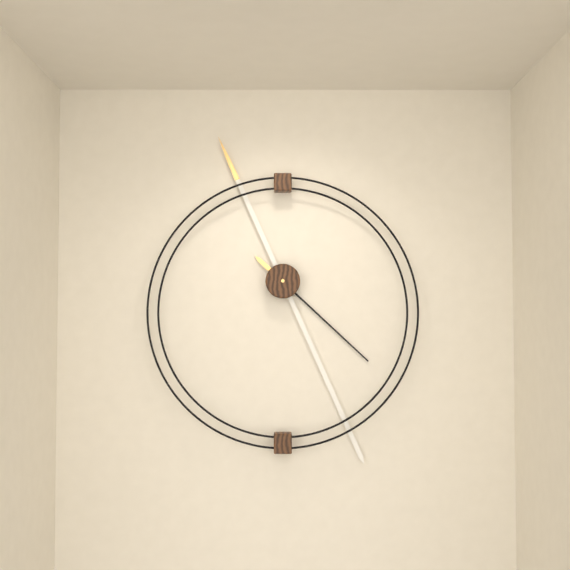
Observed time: 4h26
